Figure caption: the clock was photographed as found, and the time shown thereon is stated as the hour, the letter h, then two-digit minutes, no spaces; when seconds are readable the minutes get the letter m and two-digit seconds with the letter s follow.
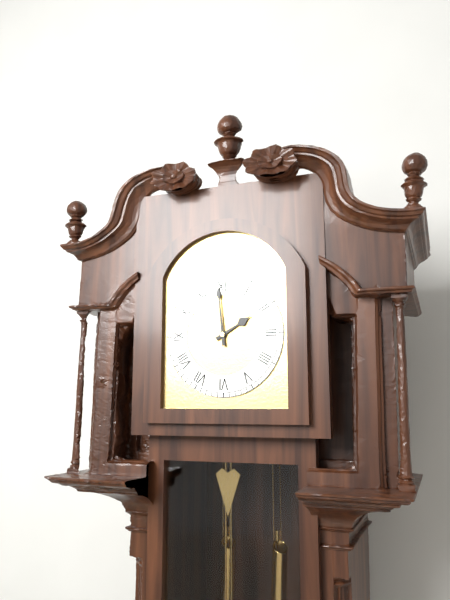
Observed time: 1h59
